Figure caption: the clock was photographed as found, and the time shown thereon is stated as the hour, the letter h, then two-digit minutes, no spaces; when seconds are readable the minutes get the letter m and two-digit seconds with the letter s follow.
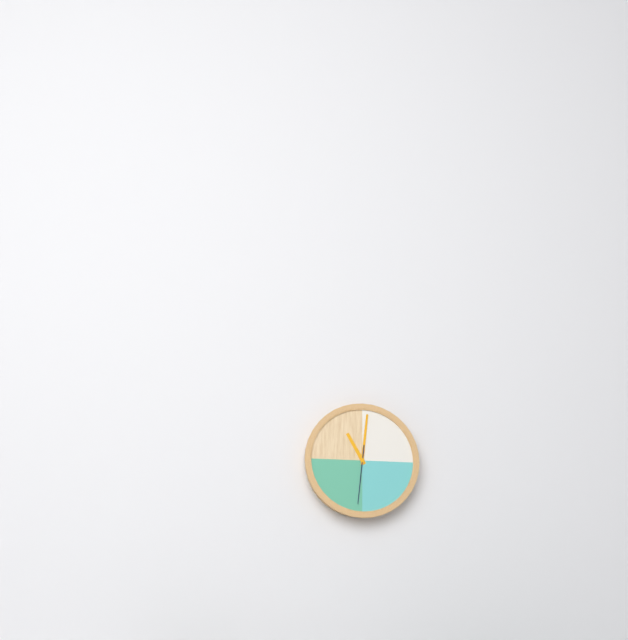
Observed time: 11h01m31s
